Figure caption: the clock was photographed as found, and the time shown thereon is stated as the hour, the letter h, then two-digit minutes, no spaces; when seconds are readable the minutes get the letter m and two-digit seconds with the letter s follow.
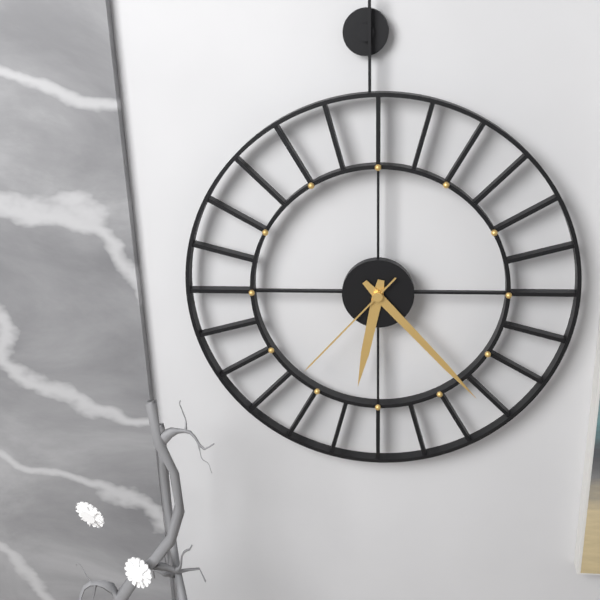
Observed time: 6h23m37s
